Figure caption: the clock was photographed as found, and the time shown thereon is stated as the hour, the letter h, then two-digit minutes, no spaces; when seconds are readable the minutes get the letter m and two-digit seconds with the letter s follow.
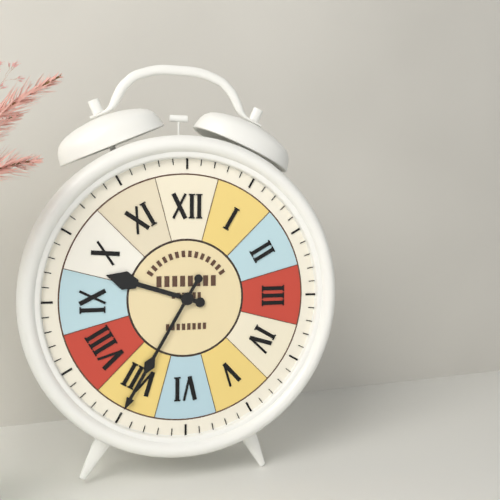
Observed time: 9h35
